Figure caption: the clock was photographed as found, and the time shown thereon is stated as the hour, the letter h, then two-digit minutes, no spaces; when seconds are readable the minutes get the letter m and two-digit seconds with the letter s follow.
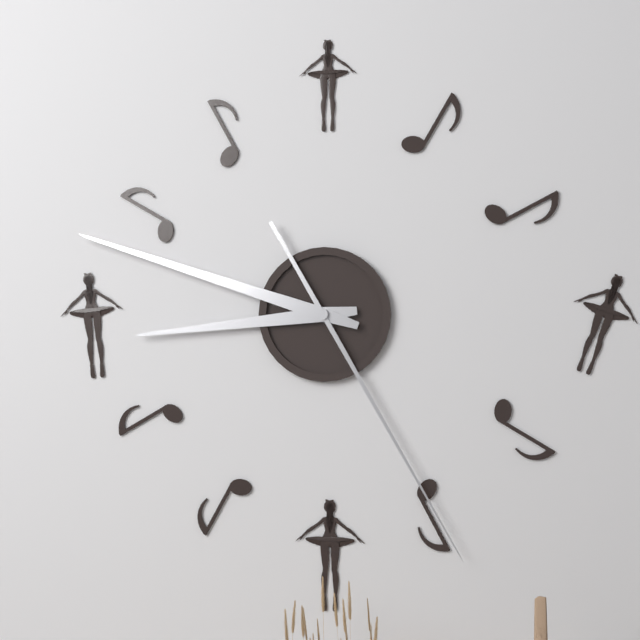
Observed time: 8h48m25s
